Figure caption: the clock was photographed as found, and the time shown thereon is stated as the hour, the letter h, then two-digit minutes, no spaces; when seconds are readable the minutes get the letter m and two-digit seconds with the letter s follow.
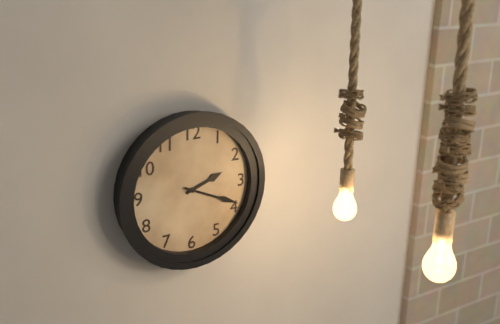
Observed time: 2h19
